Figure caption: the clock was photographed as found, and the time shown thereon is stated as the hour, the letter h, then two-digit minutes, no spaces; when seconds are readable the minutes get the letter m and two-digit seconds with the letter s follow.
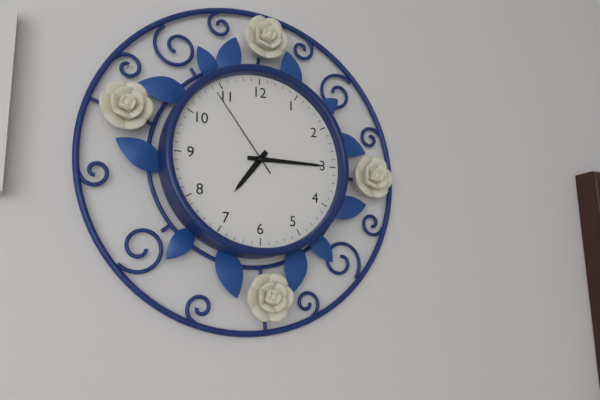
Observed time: 7h15m54s
